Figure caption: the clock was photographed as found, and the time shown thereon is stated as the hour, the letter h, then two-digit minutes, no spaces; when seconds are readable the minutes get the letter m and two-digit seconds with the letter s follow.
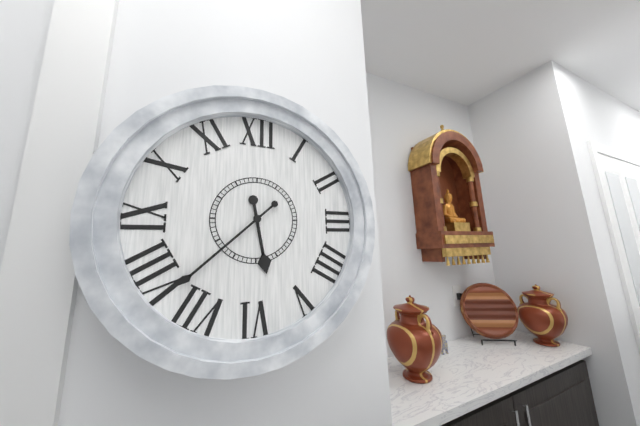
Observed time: 5h38
